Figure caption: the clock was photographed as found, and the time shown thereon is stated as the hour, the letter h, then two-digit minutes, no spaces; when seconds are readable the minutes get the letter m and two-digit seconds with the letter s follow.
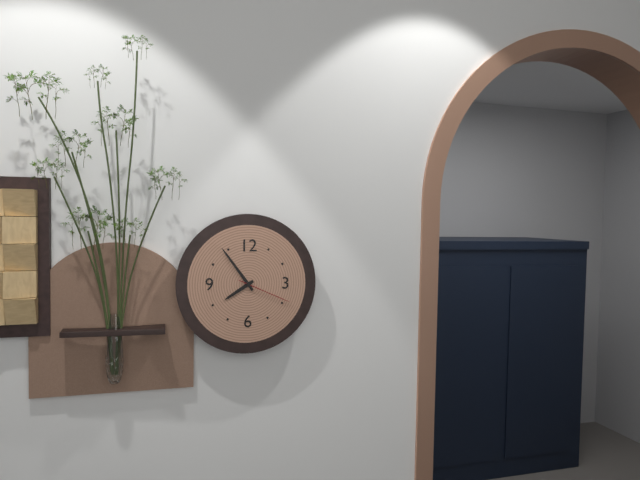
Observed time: 7h54m19s
